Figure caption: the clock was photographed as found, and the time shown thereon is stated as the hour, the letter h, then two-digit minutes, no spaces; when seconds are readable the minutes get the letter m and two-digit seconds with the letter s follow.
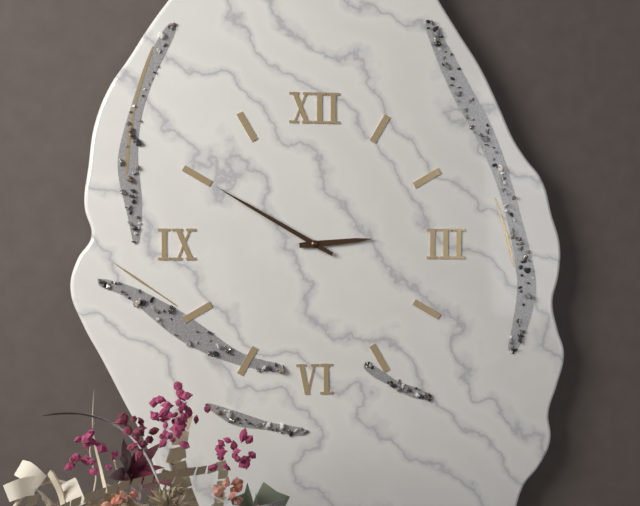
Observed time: 2h50
